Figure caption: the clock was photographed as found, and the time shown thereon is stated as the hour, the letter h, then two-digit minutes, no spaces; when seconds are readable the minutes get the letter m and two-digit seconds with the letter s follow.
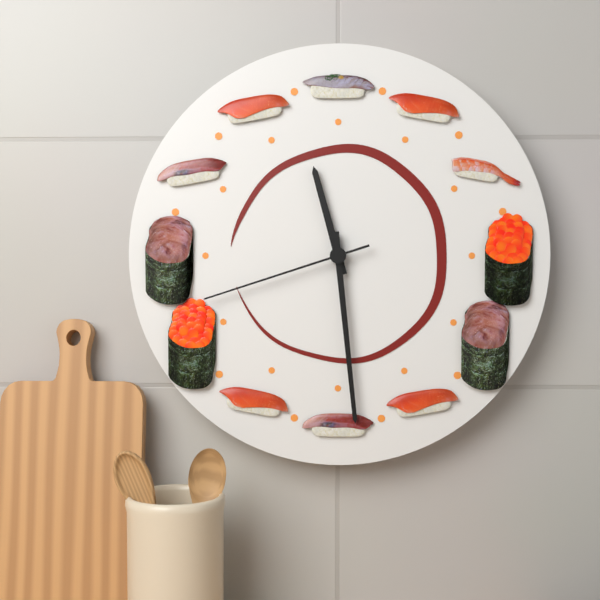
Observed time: 11h29m42s
